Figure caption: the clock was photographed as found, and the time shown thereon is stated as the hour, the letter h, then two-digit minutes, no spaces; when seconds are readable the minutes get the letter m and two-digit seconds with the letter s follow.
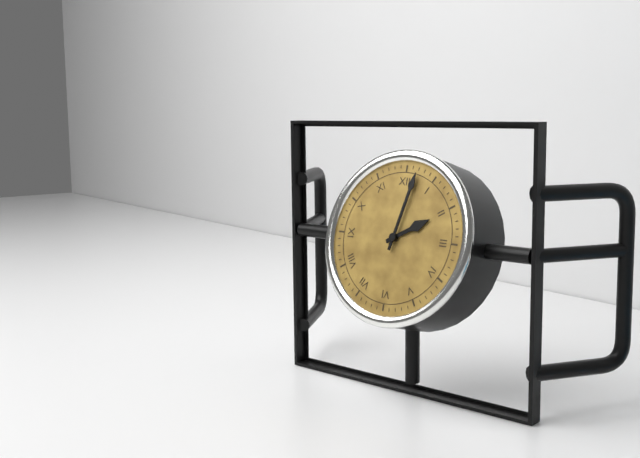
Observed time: 2h02
